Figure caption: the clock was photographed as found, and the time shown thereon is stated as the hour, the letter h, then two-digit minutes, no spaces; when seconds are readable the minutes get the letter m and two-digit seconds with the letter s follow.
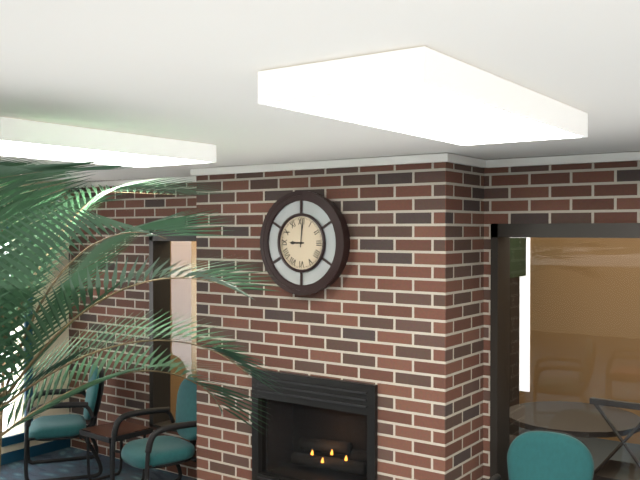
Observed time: 9h01
